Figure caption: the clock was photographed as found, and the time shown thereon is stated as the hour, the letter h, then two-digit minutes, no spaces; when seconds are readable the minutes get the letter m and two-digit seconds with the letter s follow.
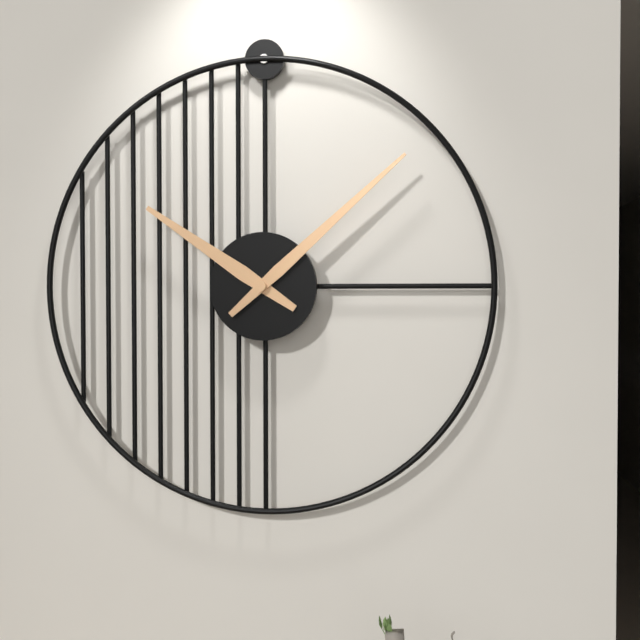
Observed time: 10h08
